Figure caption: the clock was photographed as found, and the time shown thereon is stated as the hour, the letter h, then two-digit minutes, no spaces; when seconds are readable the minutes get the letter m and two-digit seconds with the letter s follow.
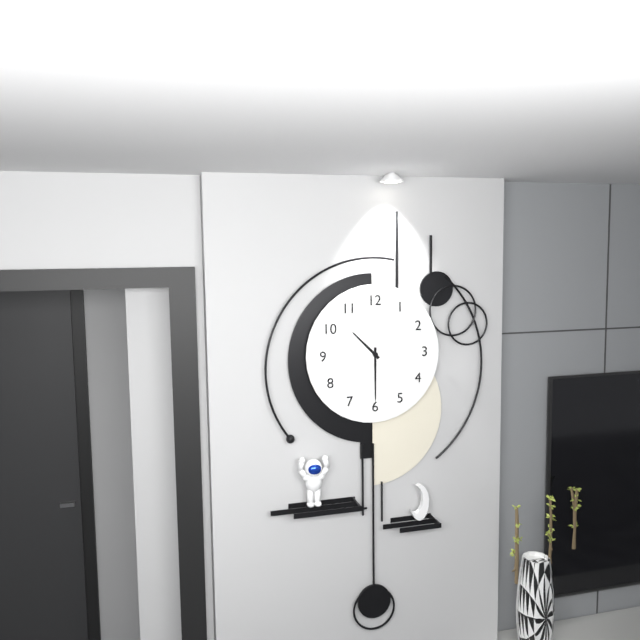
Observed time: 10h30
